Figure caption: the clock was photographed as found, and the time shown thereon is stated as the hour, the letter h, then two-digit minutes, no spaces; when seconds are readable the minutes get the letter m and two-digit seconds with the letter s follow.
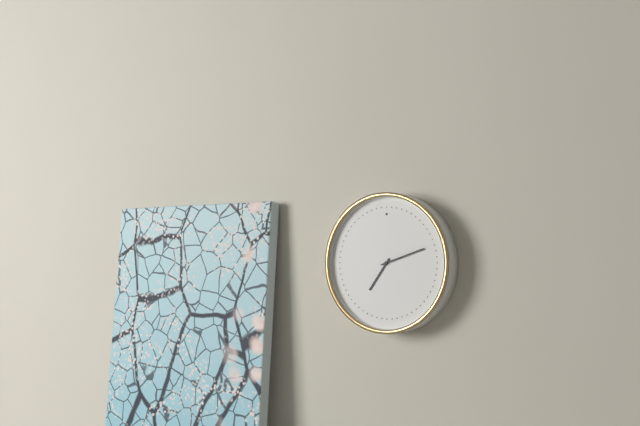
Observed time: 7h12
